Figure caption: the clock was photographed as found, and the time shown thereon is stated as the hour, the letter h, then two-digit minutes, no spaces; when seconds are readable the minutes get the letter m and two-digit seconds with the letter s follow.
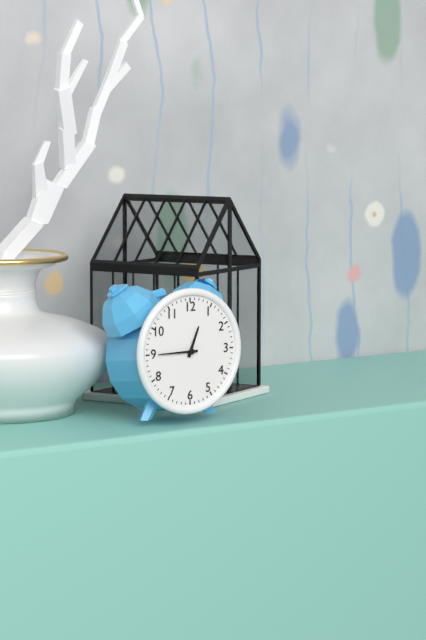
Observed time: 12h45
